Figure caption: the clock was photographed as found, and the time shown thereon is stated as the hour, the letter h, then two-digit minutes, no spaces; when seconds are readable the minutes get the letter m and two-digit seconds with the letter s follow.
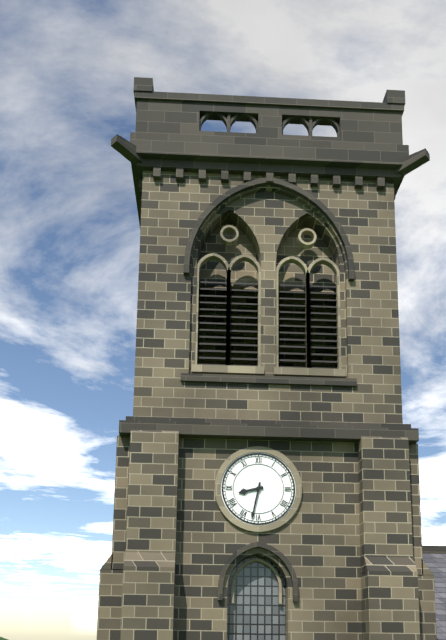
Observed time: 8h32
